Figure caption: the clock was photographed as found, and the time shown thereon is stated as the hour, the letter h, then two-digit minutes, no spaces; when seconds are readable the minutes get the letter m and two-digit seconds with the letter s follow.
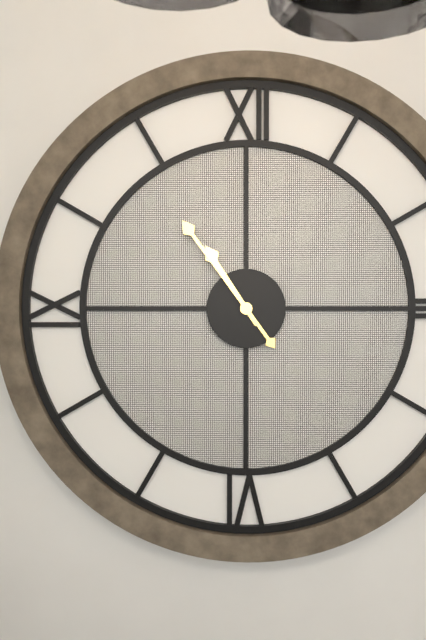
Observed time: 10h54
